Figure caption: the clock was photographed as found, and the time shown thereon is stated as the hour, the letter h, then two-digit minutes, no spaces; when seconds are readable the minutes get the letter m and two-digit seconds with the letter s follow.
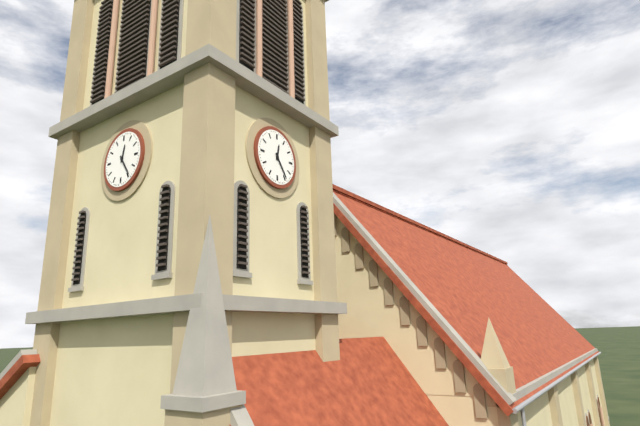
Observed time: 12h24
